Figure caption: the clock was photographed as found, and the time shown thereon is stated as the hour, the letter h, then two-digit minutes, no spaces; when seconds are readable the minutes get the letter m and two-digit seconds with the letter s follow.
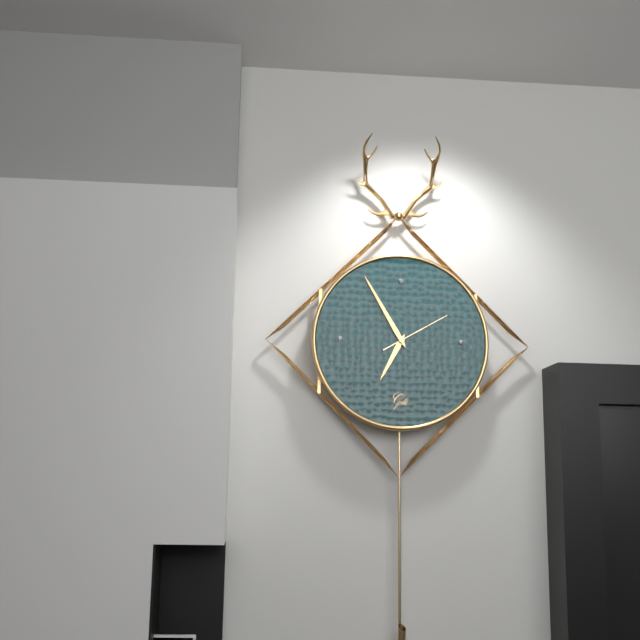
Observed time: 6h55m10s
